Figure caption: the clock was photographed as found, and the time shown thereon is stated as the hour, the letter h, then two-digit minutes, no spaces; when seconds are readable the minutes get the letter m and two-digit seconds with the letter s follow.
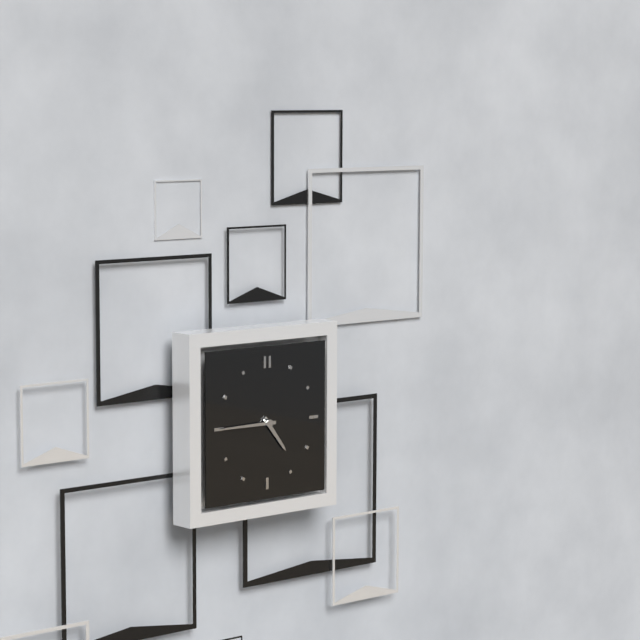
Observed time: 4h45
